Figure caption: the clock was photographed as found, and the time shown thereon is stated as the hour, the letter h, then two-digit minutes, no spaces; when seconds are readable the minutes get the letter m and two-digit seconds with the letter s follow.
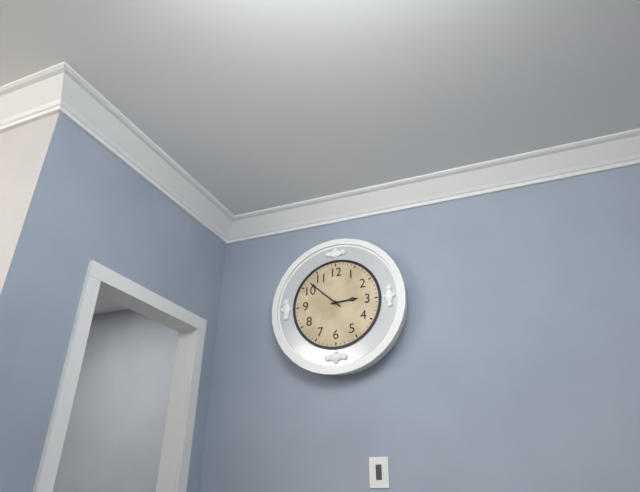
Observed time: 2h52
